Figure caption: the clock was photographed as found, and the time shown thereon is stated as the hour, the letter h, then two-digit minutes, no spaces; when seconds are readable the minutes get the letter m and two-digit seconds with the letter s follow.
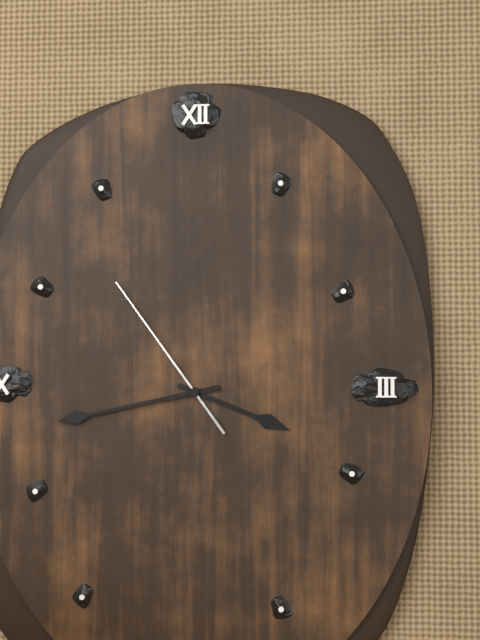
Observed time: 3h43m54s
